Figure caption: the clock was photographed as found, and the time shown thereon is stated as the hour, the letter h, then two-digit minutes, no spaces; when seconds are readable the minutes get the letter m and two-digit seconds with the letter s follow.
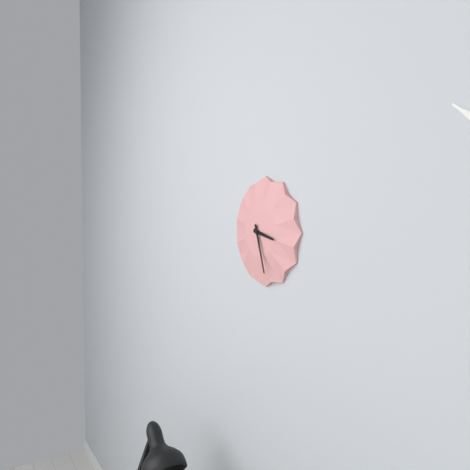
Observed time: 3h27
